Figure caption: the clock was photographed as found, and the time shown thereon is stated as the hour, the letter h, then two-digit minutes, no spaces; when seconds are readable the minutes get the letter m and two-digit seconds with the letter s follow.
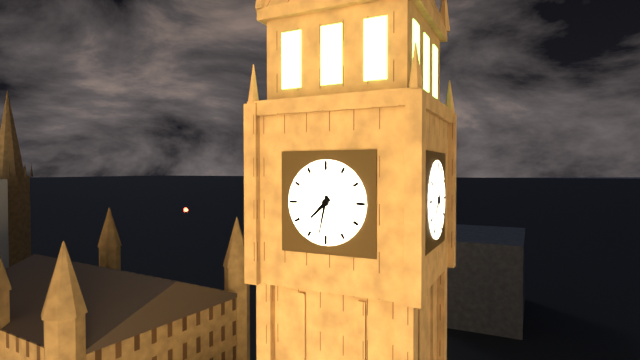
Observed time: 7h32
